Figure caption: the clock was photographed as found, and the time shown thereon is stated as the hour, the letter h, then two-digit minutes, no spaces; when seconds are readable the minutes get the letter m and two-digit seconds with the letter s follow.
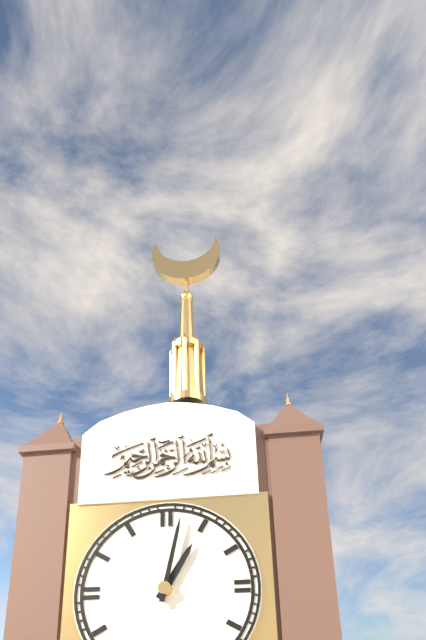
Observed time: 1h02
